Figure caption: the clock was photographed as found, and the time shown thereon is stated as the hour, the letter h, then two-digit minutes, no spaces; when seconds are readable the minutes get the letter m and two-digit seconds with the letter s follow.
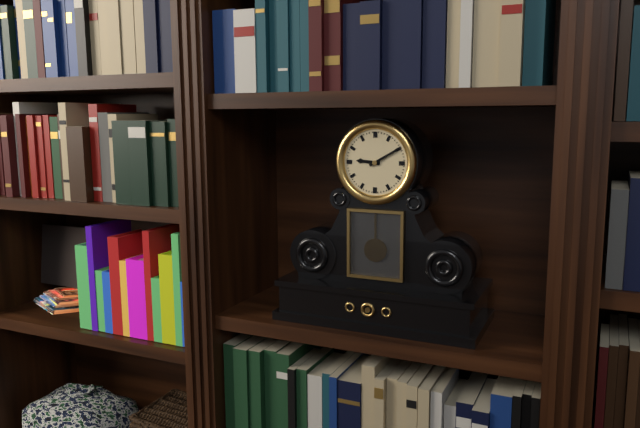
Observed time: 9h10
